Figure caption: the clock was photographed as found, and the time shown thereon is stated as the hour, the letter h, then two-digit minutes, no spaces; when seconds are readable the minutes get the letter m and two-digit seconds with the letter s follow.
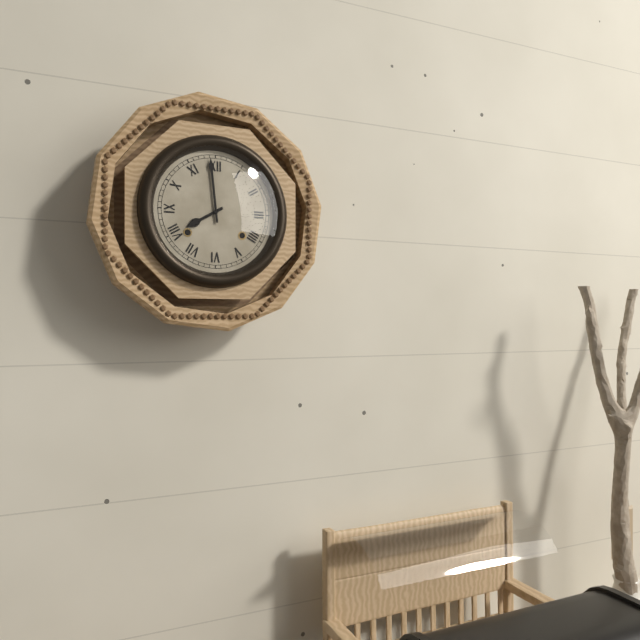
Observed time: 7h59
